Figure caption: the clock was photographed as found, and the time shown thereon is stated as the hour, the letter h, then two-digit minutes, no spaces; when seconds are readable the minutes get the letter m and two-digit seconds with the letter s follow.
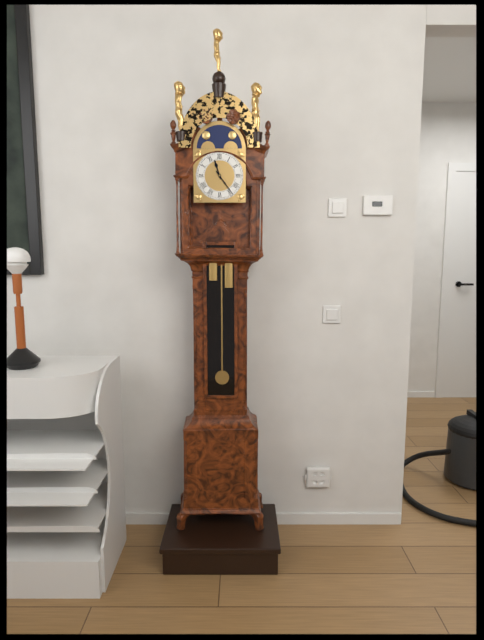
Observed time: 11h24
